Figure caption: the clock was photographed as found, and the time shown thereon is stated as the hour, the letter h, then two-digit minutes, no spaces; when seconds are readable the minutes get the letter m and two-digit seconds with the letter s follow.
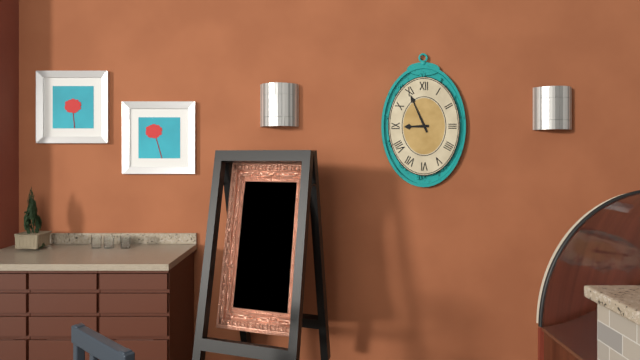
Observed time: 8h56
